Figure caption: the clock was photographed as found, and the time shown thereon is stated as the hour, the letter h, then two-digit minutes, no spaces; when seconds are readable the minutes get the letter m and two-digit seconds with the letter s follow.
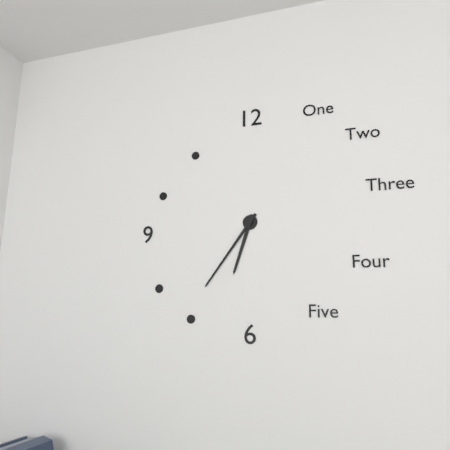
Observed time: 6h36
